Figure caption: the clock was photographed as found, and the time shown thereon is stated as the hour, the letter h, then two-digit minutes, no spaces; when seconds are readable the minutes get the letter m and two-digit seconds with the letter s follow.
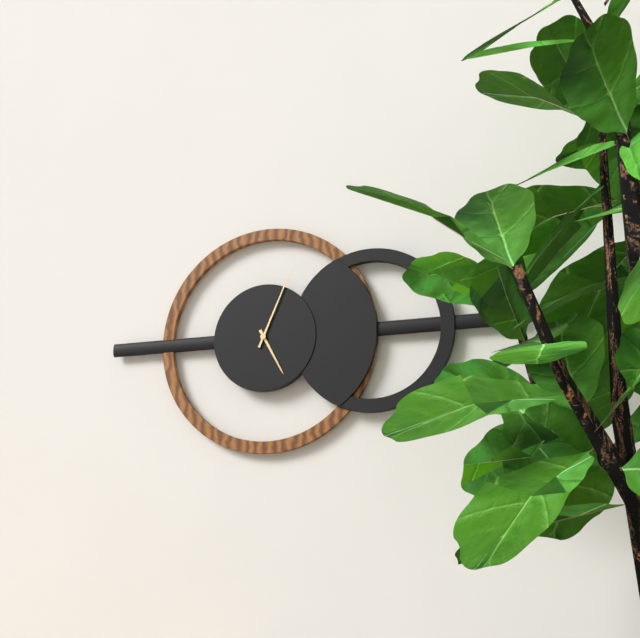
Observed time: 5h04
